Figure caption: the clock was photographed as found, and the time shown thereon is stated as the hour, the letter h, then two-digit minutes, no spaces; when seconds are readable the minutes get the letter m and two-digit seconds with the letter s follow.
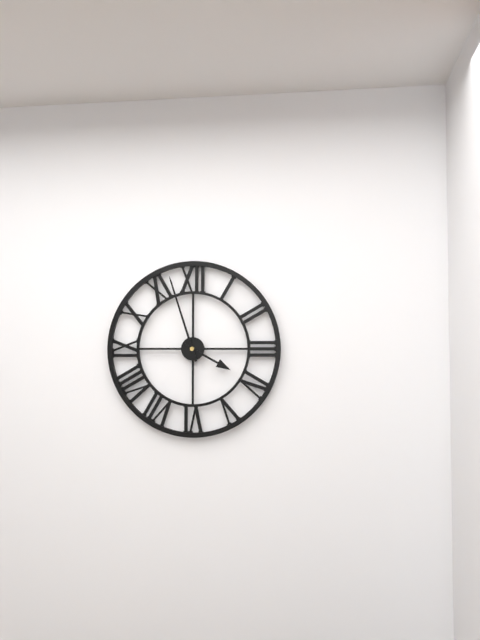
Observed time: 3h57
